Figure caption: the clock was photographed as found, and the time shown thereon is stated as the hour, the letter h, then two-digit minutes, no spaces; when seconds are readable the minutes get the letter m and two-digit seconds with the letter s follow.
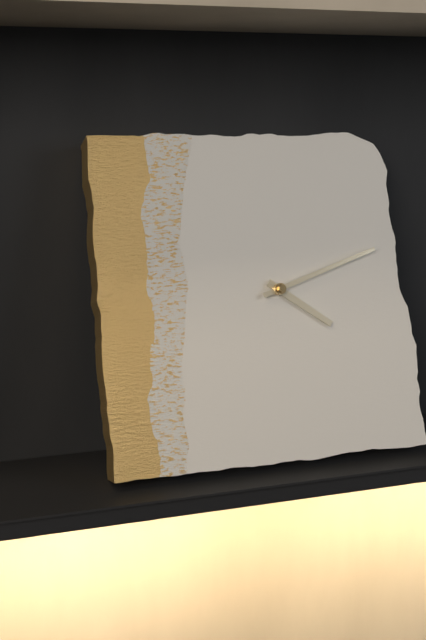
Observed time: 4h12
